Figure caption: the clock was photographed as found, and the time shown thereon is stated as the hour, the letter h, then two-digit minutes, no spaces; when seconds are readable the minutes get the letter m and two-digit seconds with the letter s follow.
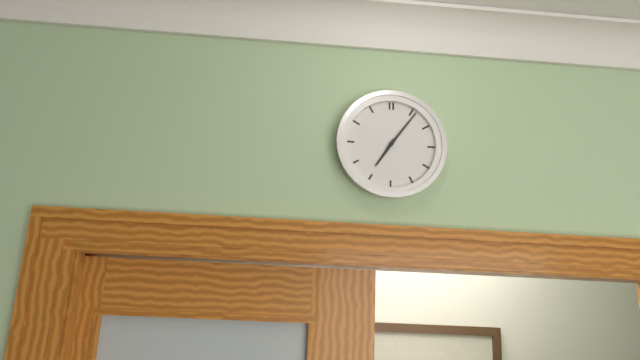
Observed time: 7h06
